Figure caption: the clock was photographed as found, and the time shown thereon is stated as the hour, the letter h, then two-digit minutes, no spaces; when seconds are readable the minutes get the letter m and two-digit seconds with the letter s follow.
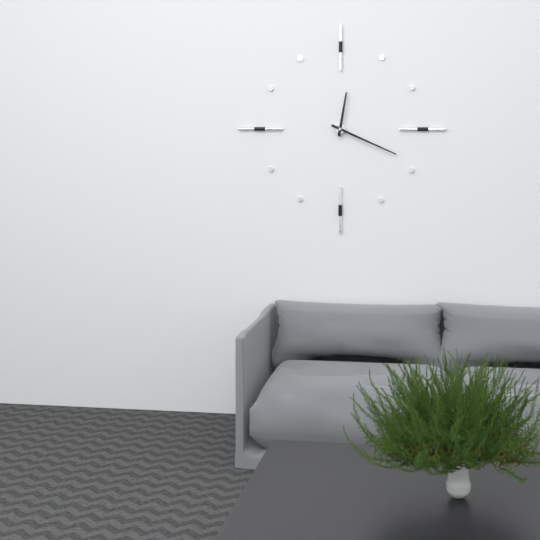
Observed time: 12h19
